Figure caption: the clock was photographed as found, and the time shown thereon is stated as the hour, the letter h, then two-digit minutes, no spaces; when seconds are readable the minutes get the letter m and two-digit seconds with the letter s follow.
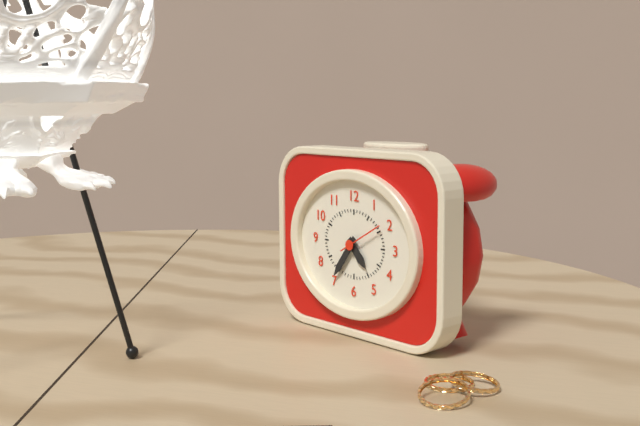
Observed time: 4h36
